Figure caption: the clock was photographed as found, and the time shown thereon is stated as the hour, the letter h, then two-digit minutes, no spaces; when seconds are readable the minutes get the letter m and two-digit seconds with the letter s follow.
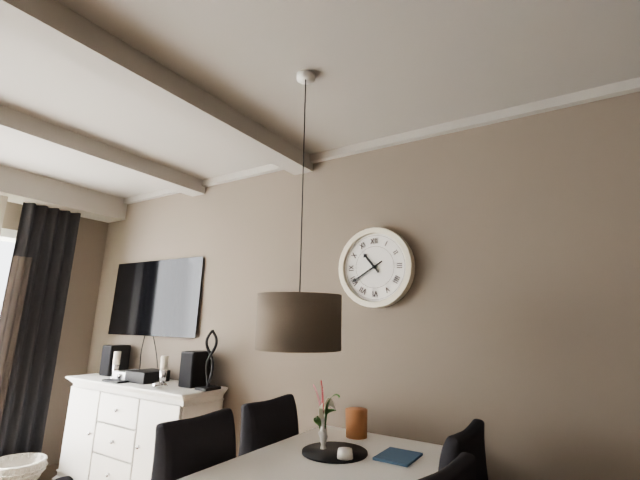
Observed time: 10h40
